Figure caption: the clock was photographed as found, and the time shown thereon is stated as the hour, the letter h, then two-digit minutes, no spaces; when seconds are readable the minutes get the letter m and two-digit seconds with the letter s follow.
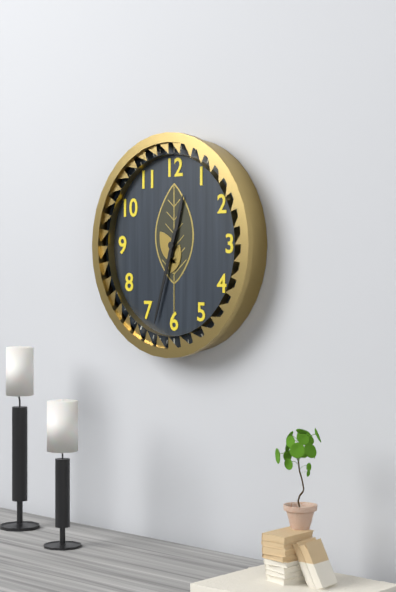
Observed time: 12h33
